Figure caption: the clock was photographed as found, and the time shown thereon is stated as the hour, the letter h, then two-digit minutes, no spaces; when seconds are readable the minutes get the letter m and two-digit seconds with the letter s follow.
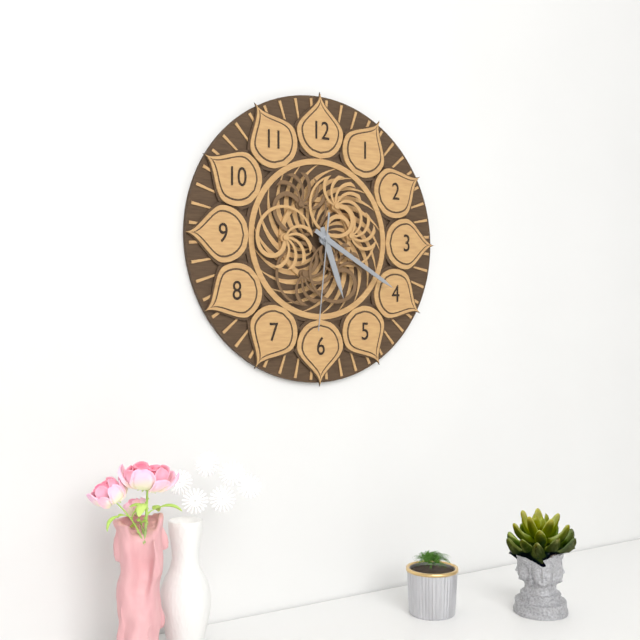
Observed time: 5h20m31s
